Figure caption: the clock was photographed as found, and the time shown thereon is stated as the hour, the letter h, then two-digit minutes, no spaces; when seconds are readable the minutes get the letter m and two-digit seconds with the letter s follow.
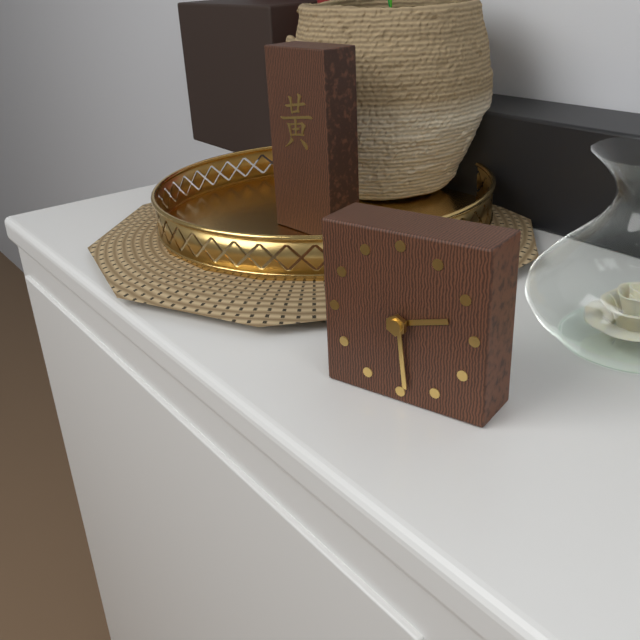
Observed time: 2h29
